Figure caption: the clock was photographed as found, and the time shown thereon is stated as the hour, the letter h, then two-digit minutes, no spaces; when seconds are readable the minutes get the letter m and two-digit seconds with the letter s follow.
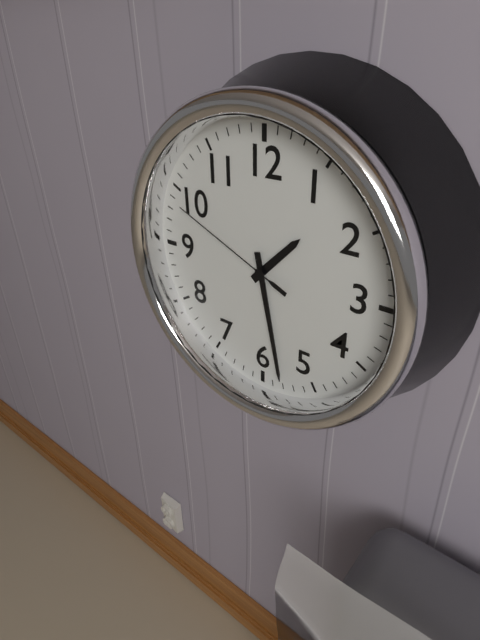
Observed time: 1h28m49s
